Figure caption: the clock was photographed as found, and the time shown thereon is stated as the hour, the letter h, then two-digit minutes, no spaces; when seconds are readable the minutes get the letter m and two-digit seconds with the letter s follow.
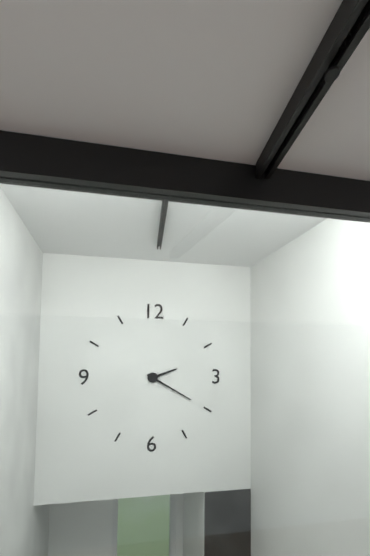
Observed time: 2h20
